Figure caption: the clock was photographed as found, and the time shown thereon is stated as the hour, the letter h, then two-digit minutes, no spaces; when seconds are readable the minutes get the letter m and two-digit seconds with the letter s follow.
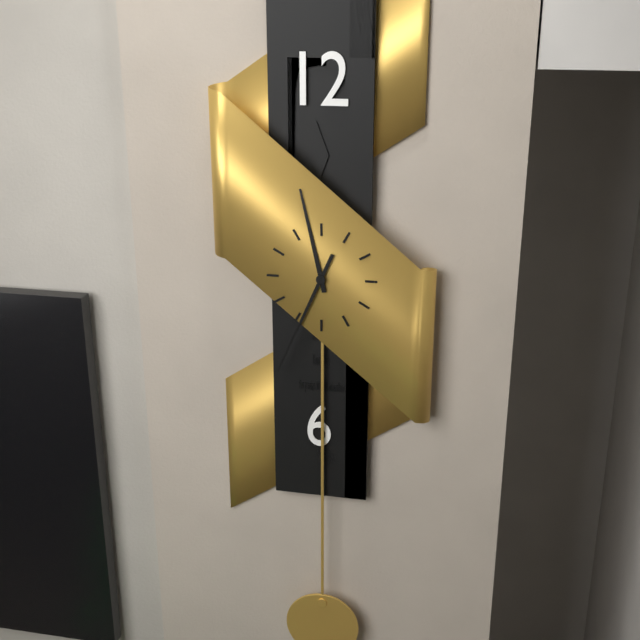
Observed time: 11h34
